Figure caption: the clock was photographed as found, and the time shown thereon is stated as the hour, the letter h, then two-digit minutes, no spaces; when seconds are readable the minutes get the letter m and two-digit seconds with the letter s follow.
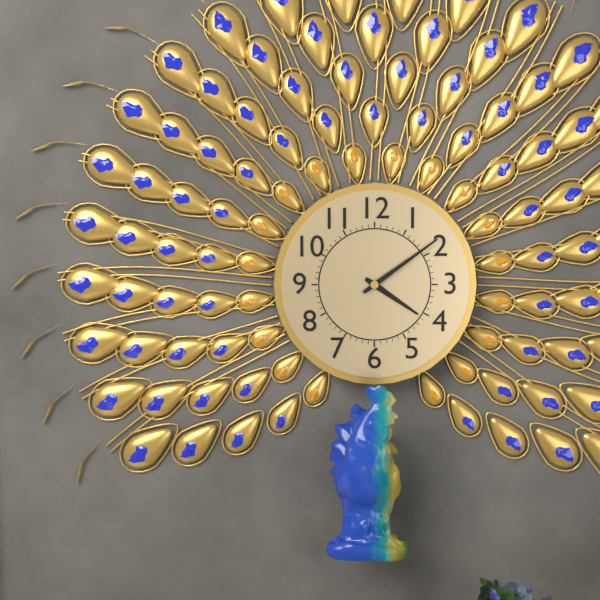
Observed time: 4h09
